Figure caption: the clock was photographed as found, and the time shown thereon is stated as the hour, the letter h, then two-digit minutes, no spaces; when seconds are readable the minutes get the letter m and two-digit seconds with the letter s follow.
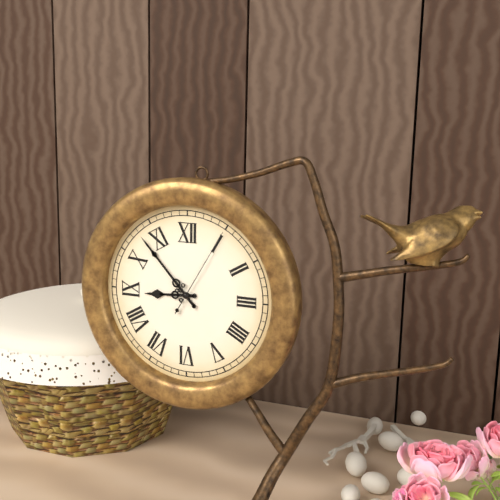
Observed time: 8h53m05s
